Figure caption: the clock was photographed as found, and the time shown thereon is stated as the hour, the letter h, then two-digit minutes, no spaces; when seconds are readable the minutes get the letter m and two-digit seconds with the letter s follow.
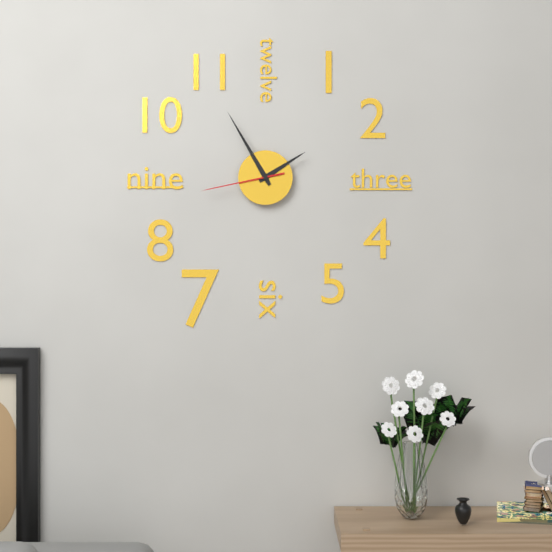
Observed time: 1h55m43s
